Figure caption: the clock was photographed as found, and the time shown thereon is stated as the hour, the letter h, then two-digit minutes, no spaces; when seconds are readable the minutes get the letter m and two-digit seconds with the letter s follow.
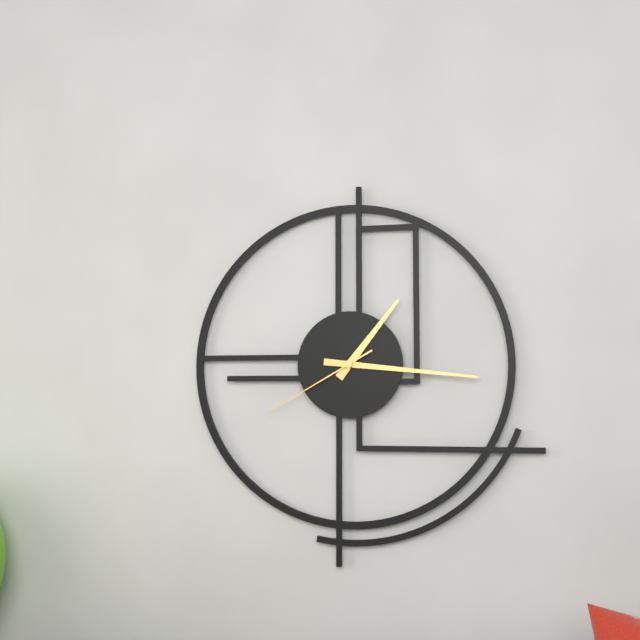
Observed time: 1h16m40s
